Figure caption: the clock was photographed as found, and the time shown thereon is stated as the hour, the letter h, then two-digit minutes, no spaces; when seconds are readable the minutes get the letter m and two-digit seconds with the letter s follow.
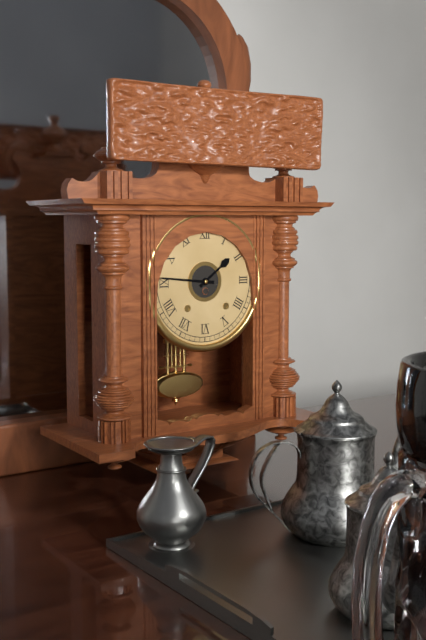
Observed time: 1h46
